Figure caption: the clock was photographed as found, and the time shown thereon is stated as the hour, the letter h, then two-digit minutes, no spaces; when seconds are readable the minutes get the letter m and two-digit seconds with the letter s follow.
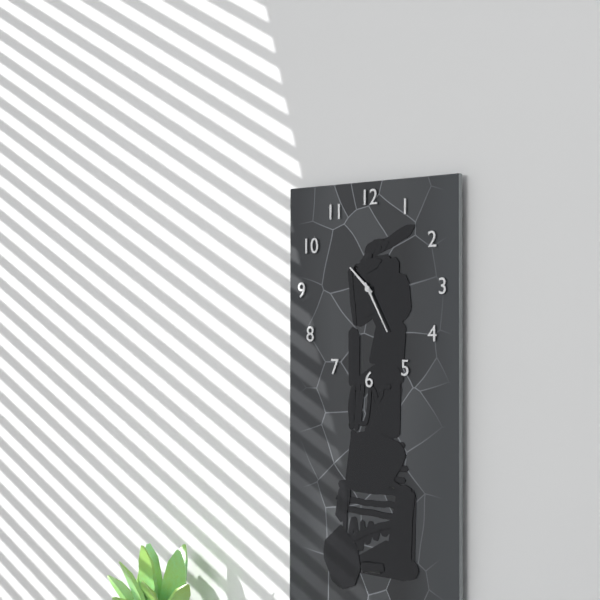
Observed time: 10h25
